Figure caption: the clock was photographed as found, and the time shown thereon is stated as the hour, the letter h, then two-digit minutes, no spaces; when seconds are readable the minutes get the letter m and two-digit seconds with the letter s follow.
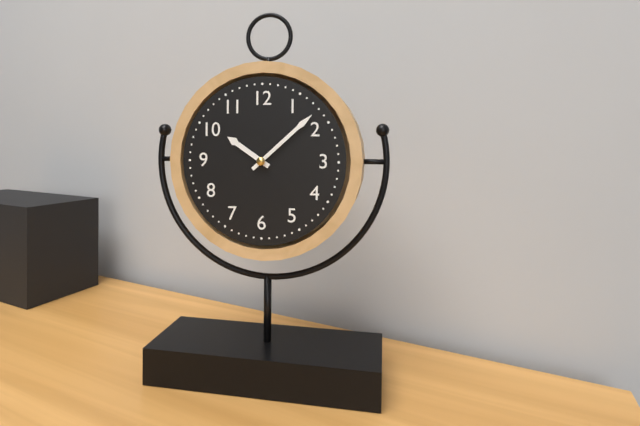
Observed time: 10h08
